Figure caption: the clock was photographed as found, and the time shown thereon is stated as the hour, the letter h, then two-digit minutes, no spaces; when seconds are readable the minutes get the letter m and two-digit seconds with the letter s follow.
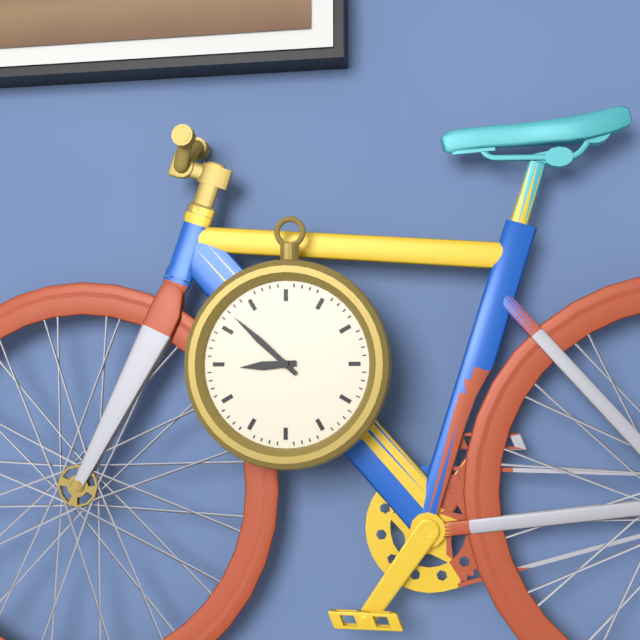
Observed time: 8h52
